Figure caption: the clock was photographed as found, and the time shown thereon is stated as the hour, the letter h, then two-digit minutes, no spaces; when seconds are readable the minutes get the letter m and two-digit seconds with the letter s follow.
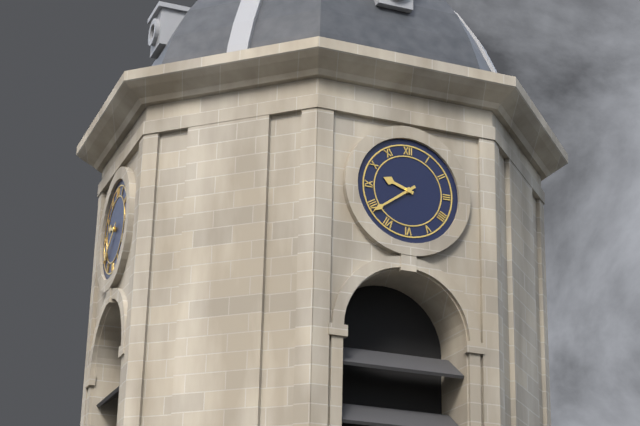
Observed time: 9h39
